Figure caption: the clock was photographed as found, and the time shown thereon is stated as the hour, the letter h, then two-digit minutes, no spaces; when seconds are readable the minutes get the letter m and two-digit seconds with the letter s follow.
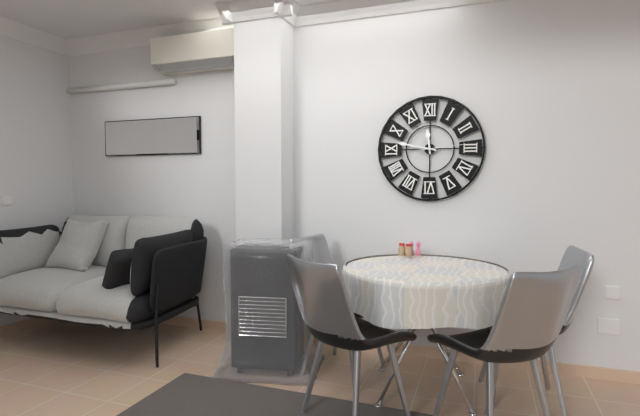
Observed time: 11h47
